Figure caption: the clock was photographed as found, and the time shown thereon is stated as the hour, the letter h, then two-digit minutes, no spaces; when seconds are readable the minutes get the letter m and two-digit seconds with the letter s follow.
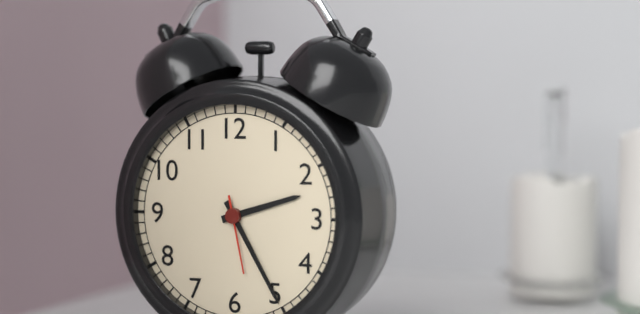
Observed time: 2h25m28s
